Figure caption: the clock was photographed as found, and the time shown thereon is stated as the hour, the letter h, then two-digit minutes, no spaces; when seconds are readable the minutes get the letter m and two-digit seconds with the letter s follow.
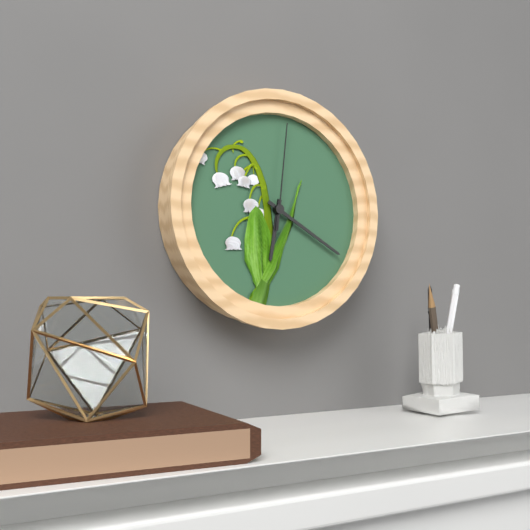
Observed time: 6h20m01s
